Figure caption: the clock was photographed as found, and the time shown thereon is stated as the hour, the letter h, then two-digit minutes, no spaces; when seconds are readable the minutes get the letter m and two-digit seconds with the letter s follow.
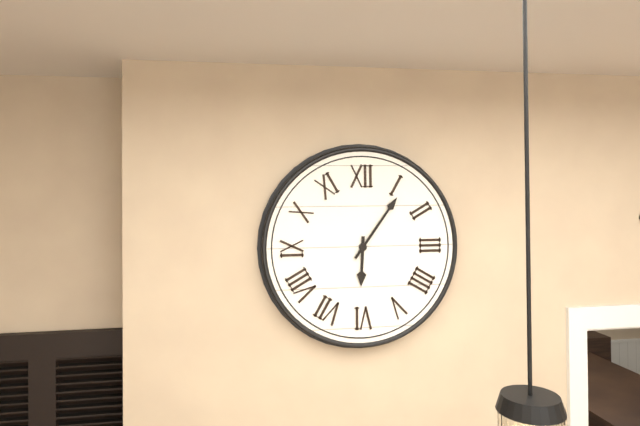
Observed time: 6h06
